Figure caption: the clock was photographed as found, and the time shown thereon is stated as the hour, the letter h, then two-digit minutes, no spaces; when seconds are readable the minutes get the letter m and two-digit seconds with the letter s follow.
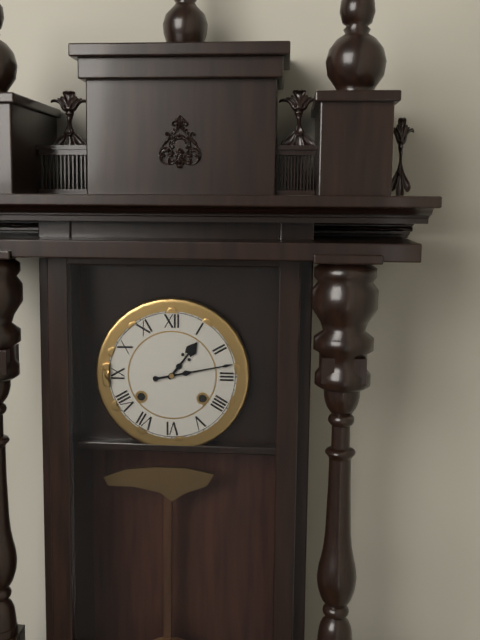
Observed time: 1h13
